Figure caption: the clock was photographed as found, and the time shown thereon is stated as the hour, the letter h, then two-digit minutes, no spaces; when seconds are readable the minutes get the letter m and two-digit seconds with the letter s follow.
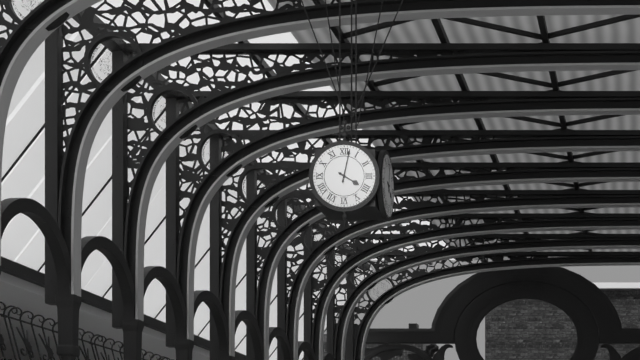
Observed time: 4h02
